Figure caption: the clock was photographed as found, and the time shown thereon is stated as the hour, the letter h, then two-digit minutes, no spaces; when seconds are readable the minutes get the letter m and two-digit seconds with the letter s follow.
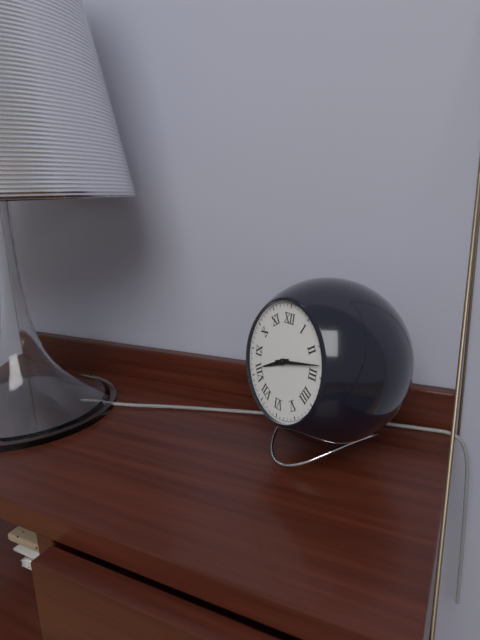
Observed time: 8h13
